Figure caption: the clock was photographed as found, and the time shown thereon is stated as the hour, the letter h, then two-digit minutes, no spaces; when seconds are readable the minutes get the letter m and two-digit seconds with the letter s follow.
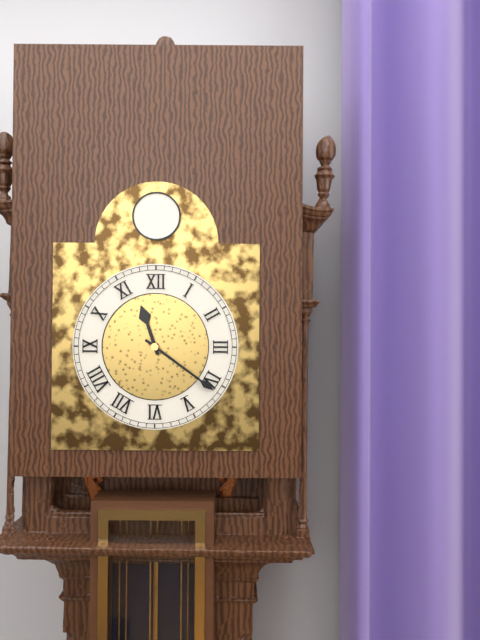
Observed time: 11h21
